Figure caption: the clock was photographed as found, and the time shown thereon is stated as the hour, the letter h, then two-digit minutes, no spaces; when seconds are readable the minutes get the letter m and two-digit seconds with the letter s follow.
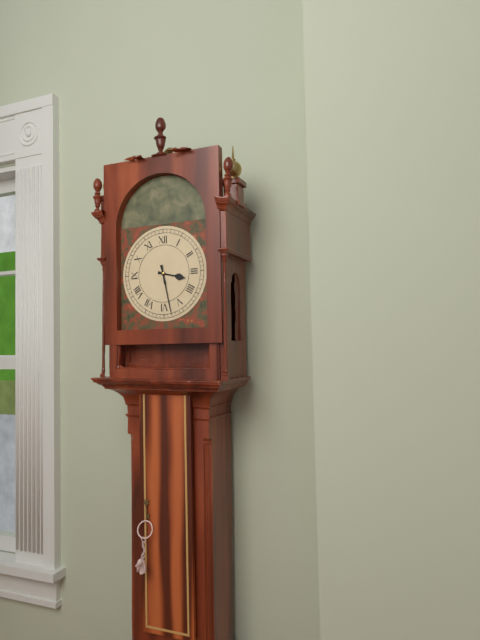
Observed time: 3h28
